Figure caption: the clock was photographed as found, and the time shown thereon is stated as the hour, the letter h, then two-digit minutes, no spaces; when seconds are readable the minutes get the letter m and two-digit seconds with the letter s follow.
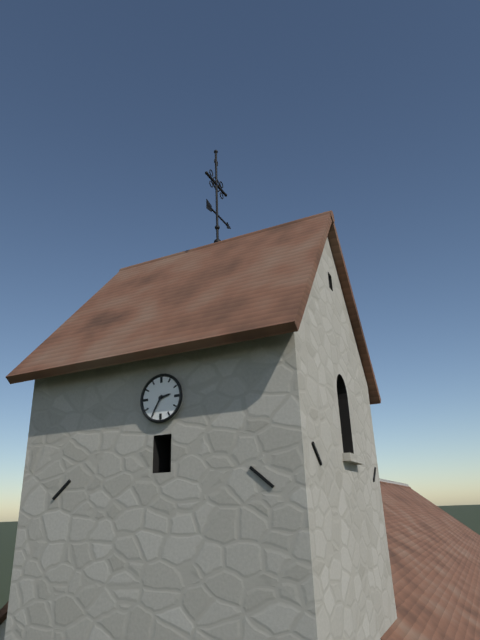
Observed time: 2h35
